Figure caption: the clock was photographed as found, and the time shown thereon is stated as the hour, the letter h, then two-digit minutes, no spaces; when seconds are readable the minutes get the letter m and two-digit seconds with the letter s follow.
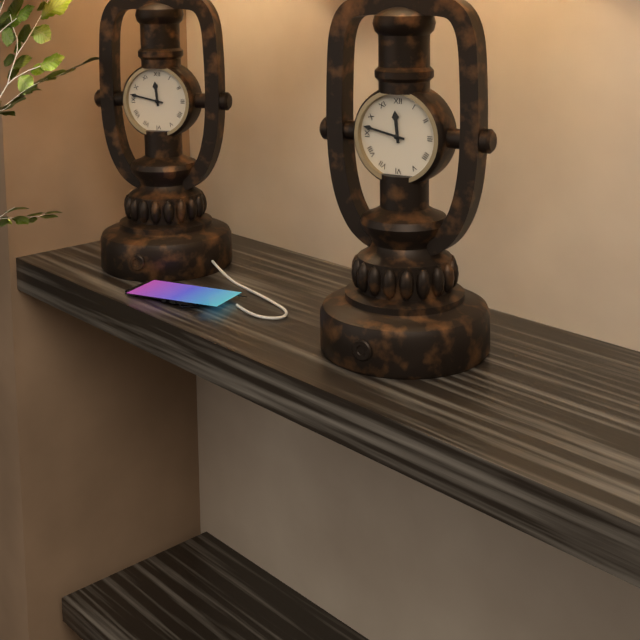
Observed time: 11h47
